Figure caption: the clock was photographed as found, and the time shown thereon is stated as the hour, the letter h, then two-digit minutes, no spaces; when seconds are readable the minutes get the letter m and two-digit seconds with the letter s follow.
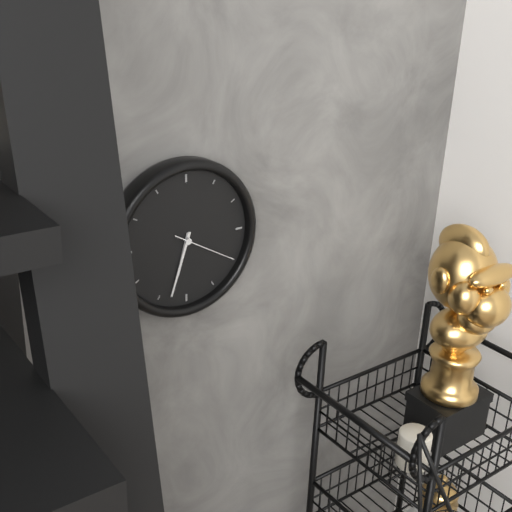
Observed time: 6h33m20s
